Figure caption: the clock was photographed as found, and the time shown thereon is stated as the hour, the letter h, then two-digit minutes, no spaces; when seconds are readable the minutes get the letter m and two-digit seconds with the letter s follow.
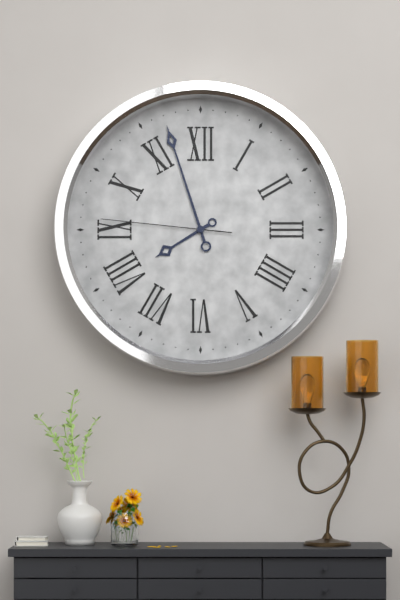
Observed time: 7h57m46s
